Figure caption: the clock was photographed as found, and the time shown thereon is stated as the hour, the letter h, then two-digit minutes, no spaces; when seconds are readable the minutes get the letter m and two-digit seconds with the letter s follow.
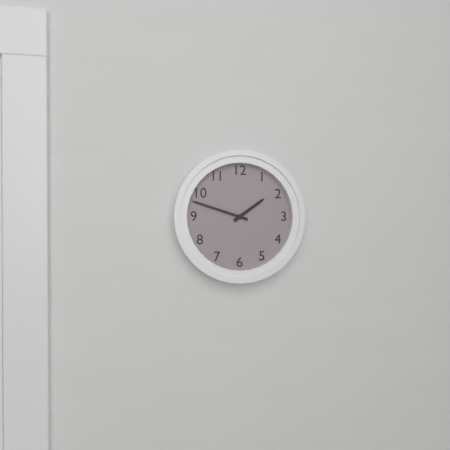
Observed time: 1h48
